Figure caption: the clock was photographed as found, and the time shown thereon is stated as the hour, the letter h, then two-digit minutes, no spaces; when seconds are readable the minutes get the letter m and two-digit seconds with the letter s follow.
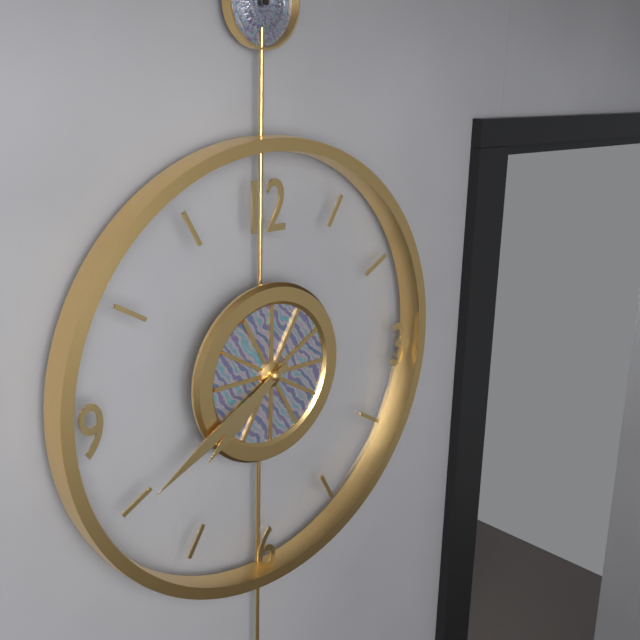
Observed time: 7h40
